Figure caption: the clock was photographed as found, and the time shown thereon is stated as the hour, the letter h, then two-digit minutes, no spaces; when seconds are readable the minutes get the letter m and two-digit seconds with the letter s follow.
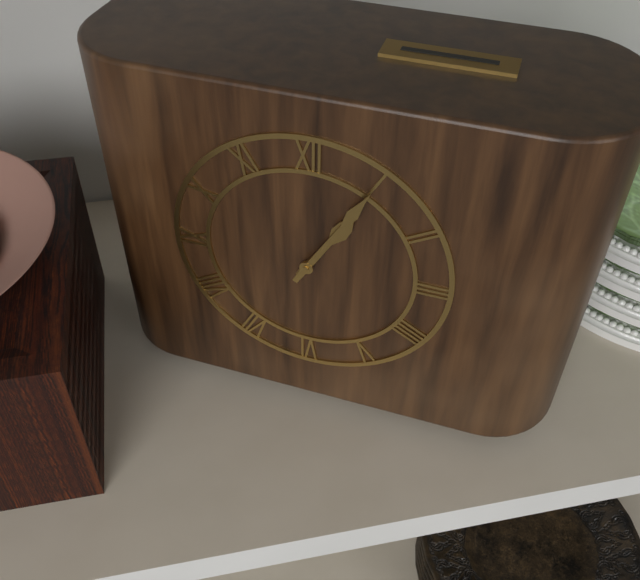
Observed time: 1h05
